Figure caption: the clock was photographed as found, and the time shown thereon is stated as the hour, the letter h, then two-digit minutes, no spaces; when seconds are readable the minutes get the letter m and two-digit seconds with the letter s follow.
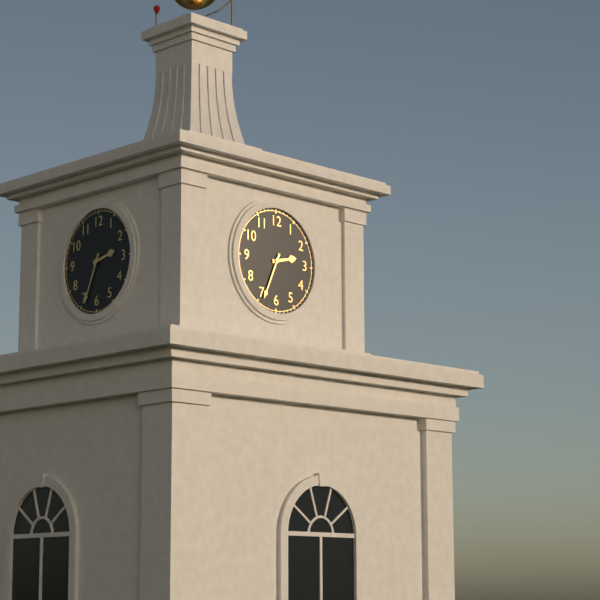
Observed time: 2h34
